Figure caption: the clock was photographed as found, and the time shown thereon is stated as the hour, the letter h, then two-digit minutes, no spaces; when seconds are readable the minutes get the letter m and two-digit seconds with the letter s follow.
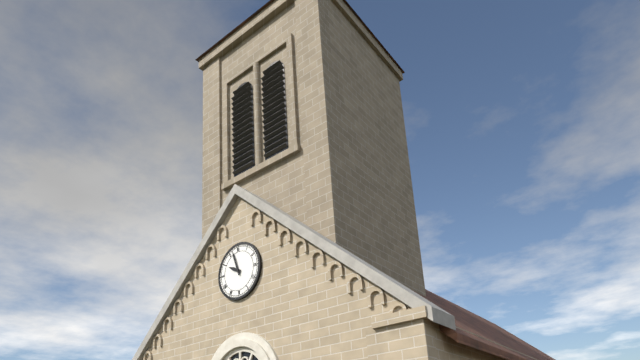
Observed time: 9h57
